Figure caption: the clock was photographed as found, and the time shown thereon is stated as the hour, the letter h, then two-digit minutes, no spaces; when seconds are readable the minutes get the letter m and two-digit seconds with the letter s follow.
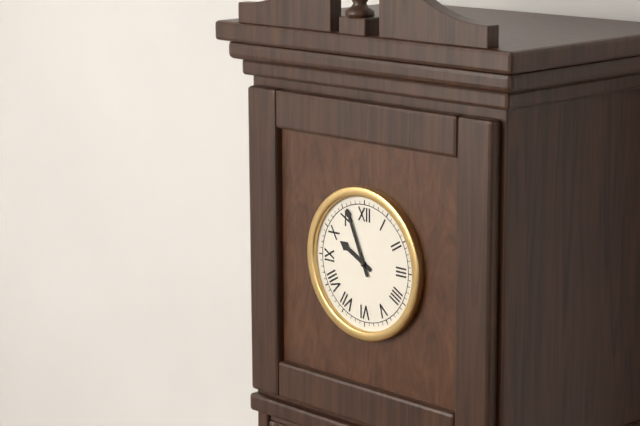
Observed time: 9h56
